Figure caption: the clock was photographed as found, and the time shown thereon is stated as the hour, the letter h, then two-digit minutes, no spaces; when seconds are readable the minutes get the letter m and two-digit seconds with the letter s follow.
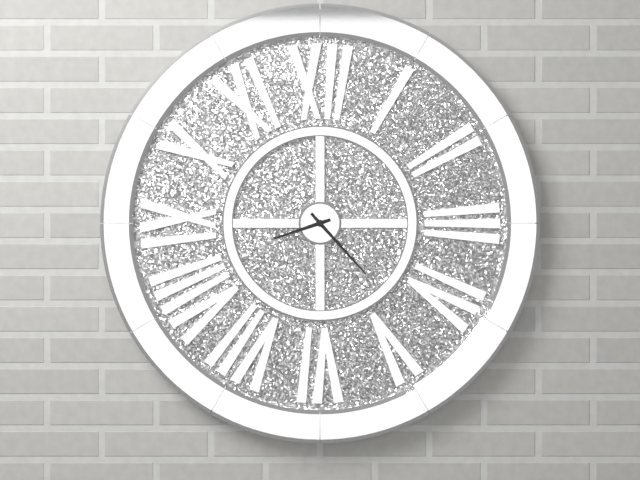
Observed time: 8h23
